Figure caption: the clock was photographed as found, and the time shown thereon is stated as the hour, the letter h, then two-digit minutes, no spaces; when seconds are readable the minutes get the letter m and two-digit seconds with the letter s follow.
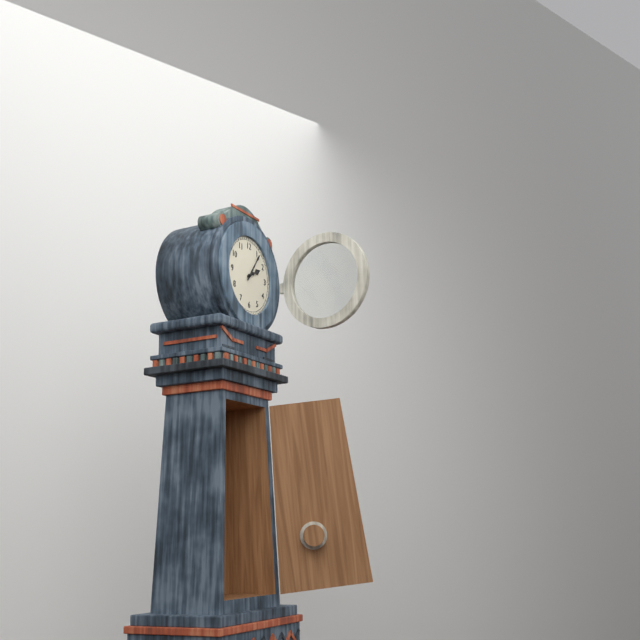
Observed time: 2h06
